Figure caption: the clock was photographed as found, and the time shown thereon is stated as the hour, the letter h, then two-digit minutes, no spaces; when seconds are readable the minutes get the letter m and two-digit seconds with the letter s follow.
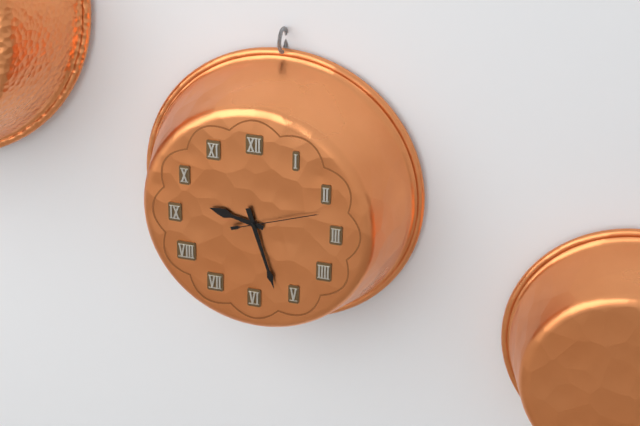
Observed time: 9h27m12s
